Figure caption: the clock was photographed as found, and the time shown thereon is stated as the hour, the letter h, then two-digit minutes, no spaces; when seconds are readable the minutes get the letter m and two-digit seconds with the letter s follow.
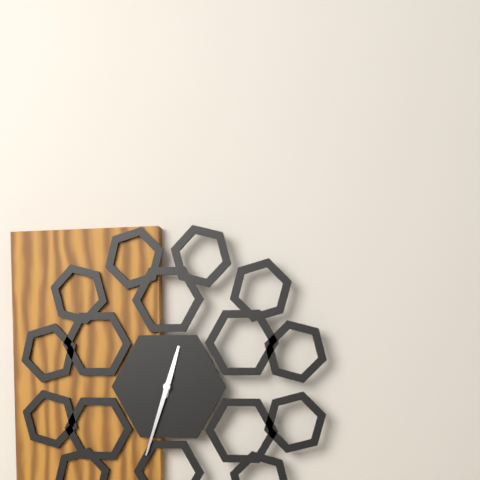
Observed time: 12h33
